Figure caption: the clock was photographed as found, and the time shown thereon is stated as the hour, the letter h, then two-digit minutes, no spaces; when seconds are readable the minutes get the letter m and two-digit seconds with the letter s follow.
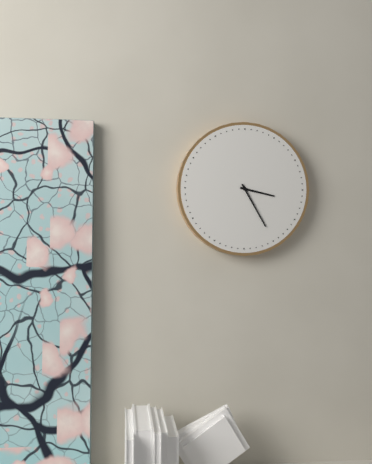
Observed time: 3h25
